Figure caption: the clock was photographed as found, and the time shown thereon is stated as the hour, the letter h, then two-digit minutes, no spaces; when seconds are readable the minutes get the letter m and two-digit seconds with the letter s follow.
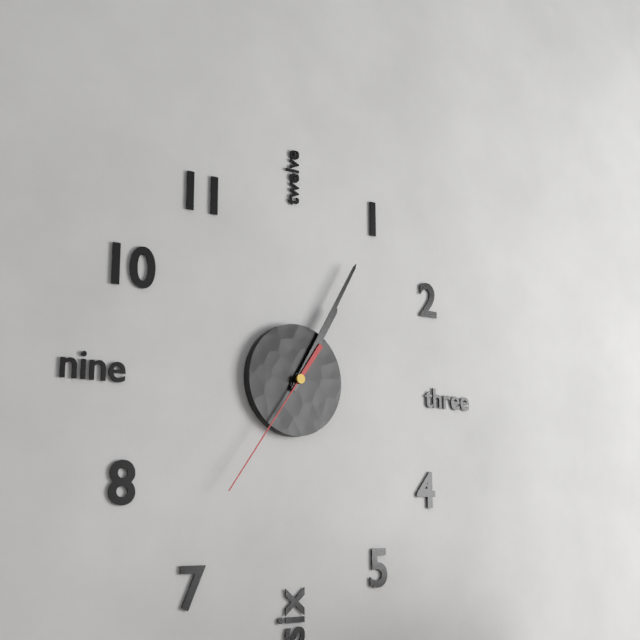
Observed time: 1h05m36s
